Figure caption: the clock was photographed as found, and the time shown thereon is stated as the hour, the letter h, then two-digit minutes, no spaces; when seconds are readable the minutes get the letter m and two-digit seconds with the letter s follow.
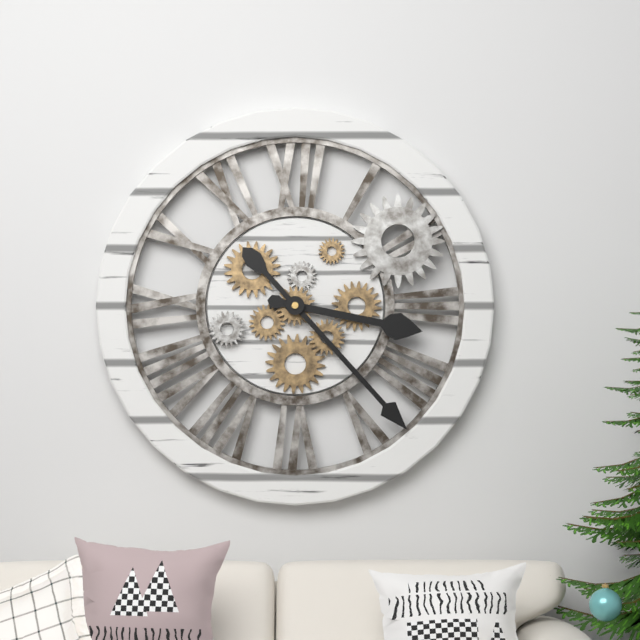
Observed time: 3h23
